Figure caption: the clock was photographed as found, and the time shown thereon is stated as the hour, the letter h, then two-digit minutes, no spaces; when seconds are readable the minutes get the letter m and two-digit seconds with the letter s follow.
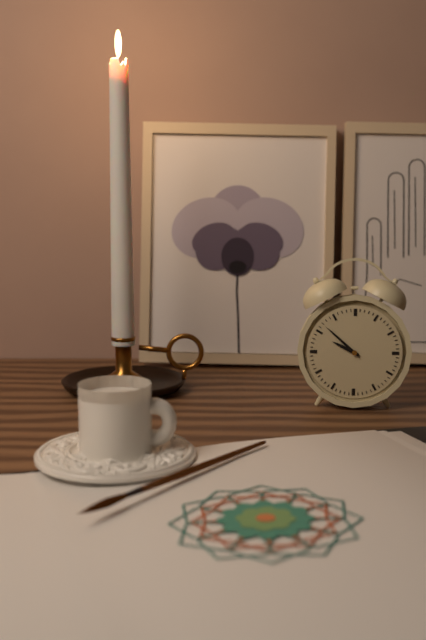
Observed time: 9h52
